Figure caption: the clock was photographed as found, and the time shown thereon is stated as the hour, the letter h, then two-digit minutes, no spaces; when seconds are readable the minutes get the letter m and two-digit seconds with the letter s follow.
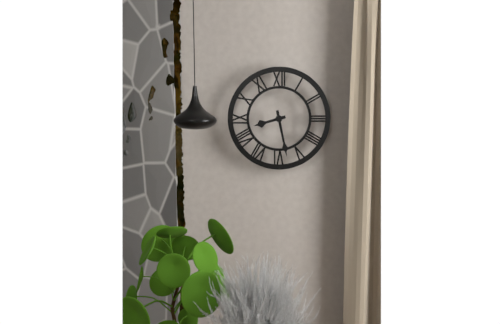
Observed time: 8h28
